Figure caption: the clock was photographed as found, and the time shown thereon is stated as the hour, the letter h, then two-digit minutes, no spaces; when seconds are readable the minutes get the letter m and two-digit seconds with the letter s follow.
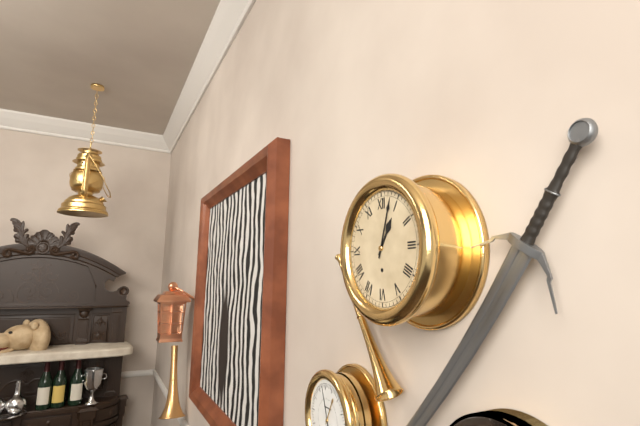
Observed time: 1h03
